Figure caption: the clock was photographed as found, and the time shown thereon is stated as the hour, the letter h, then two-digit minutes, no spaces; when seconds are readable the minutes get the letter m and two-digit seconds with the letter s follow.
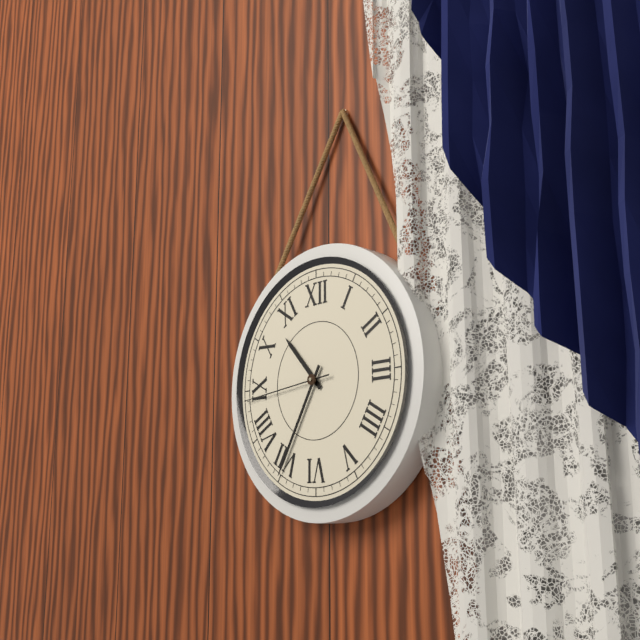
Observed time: 10h35m44s
